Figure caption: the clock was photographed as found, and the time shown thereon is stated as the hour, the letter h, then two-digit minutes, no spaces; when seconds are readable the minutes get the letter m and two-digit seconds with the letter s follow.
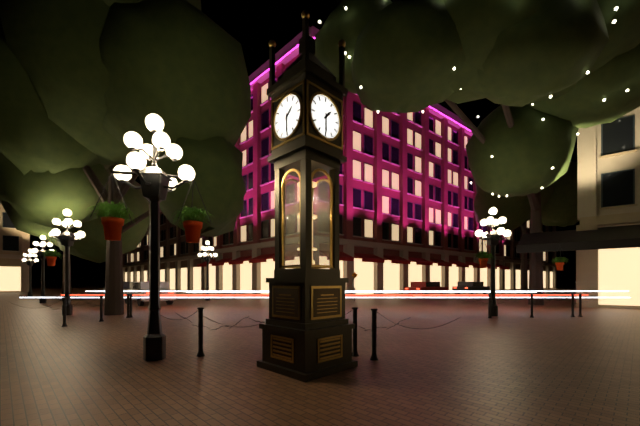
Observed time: 1h30
